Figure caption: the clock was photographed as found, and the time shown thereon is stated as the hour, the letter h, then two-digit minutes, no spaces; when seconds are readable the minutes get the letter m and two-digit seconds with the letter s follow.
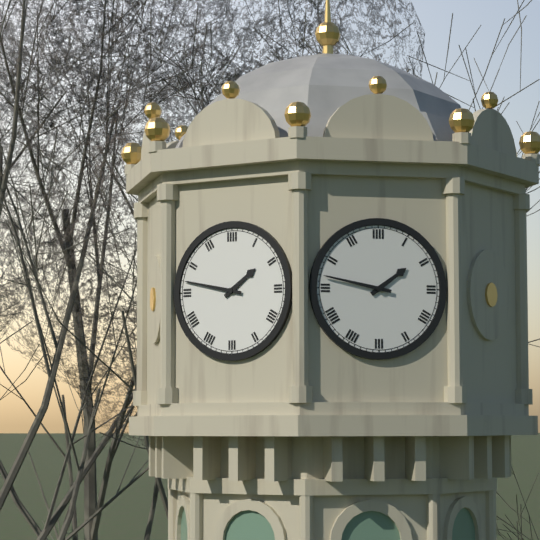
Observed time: 1h47
